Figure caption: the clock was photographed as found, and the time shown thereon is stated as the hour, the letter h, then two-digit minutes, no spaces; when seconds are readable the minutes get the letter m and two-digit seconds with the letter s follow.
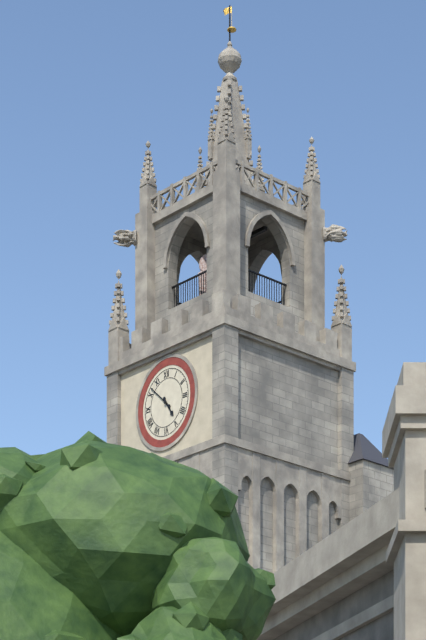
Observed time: 4h52
